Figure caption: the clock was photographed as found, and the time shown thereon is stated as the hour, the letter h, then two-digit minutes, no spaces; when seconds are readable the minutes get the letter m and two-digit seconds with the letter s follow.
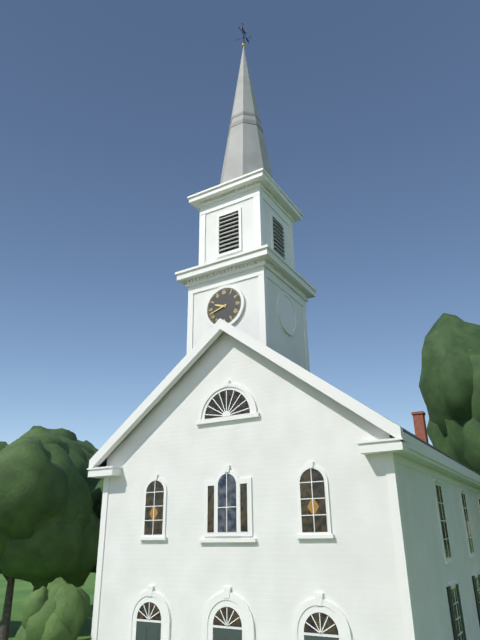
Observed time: 9h42
